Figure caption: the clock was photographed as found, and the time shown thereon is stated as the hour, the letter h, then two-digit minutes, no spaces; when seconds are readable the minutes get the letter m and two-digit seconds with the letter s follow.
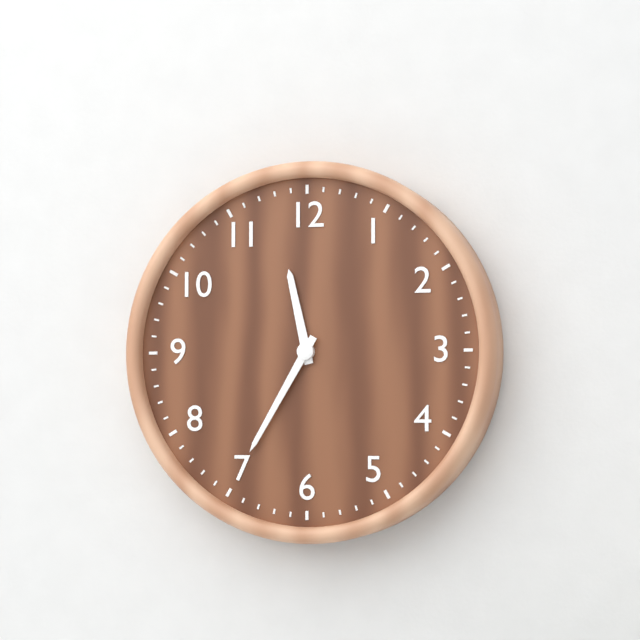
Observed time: 11h35
